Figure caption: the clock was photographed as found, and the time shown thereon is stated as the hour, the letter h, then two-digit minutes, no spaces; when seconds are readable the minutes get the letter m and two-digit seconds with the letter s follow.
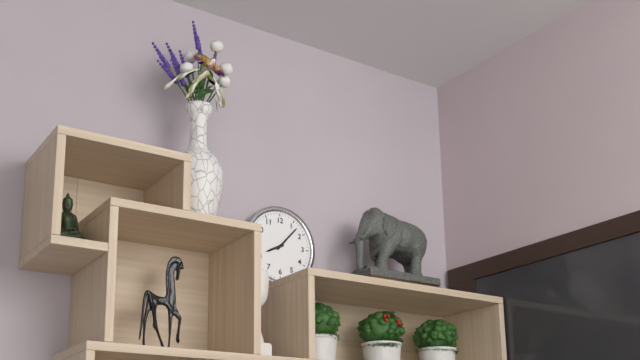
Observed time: 8h07
